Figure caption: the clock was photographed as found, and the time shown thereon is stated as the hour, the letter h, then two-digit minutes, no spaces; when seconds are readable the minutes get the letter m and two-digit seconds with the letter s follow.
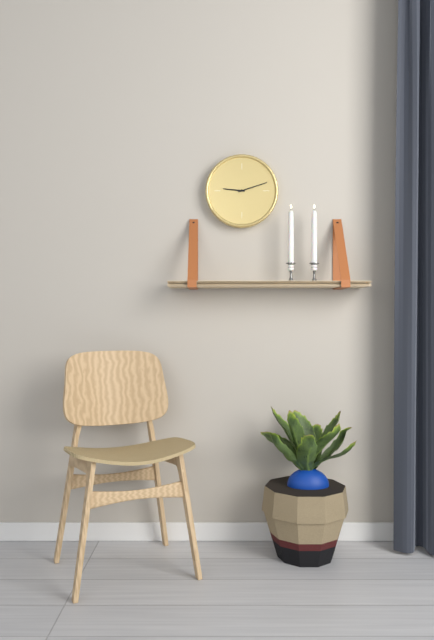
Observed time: 9h12
